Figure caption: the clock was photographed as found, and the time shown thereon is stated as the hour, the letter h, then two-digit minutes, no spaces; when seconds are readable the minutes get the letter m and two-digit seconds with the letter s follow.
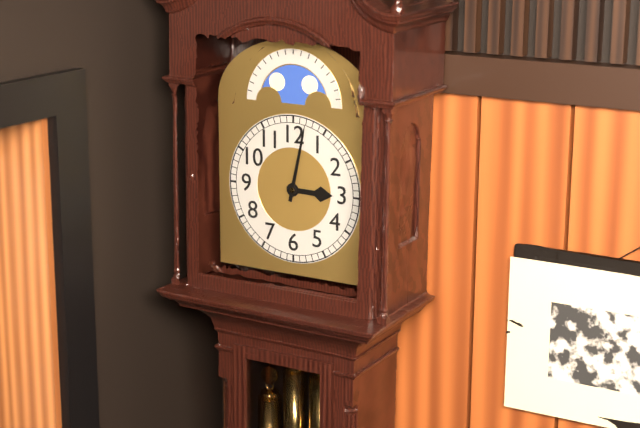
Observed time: 3h02
